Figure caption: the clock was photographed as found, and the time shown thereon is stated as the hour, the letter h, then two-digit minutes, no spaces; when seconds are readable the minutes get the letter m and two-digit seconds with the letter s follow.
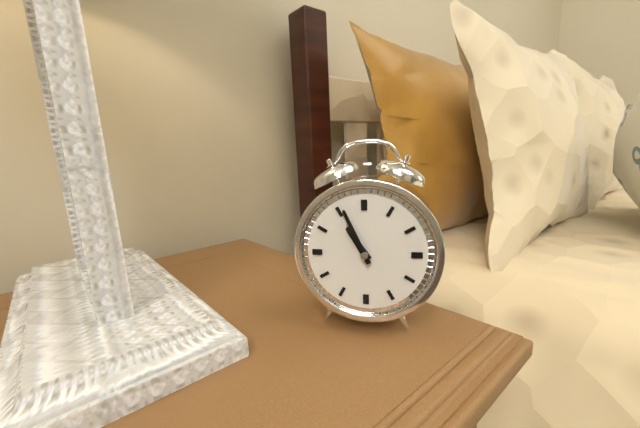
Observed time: 10h56
